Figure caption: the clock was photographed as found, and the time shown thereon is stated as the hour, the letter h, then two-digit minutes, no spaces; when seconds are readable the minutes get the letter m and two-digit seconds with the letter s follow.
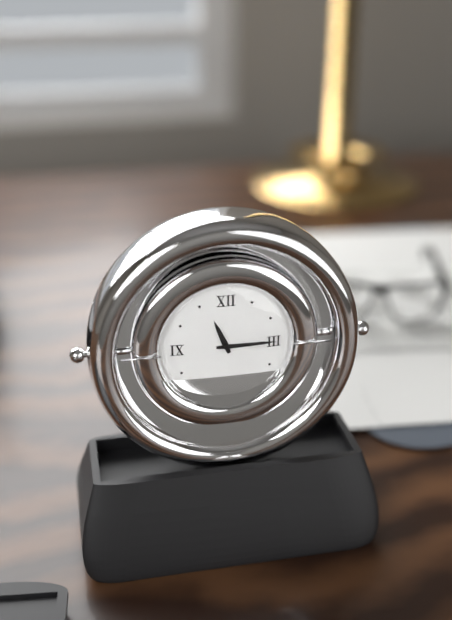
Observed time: 11h15
